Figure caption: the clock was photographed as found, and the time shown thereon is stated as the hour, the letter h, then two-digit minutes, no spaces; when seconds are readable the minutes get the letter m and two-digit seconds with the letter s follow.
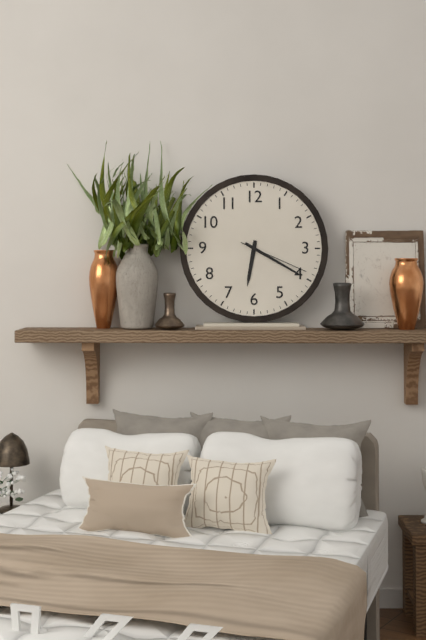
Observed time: 6h20m19s
